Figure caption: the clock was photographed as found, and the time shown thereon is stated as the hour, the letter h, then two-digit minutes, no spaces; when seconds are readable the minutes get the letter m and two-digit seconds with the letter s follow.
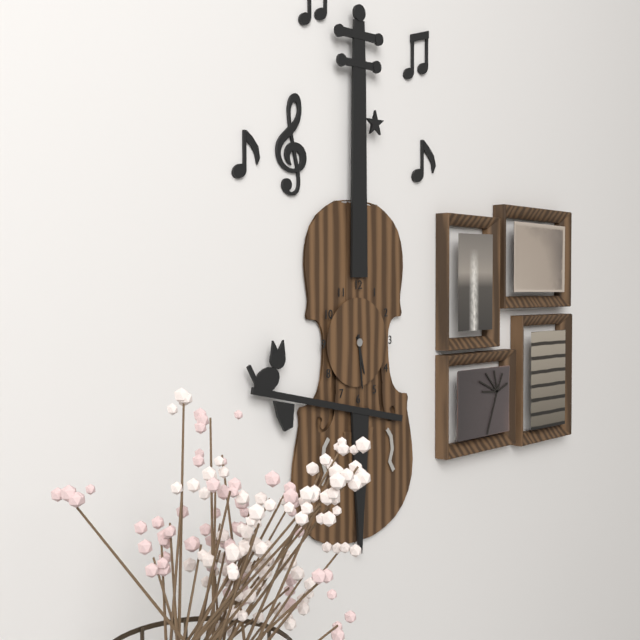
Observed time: 5h29
